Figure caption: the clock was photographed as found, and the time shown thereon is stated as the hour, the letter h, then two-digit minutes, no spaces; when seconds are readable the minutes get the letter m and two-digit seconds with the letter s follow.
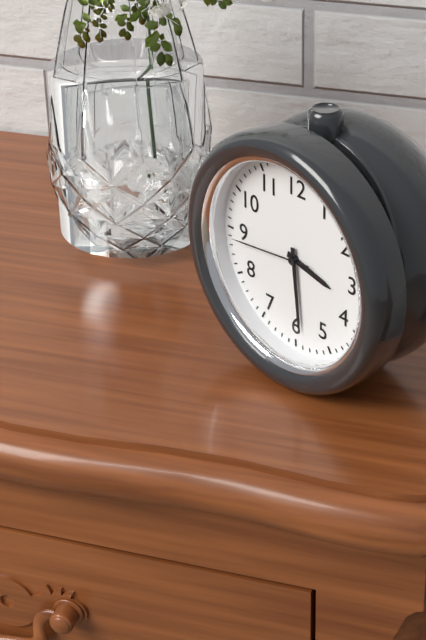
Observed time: 3h29m44s
